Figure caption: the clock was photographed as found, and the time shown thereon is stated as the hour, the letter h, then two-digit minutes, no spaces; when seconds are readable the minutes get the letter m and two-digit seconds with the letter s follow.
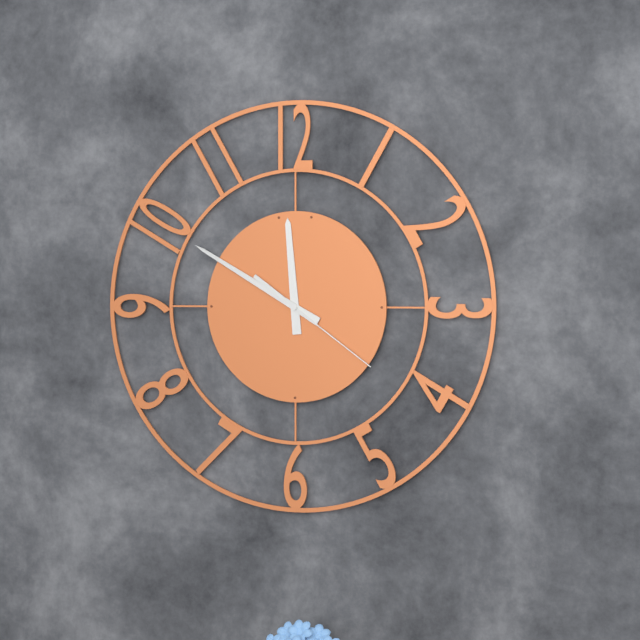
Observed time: 11h50m21s
